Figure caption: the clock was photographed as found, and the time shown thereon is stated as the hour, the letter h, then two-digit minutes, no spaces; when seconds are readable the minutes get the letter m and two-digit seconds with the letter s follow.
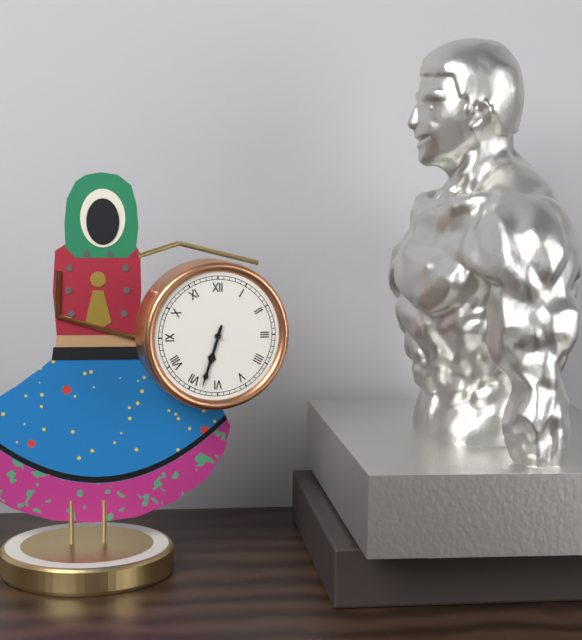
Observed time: 6h33
